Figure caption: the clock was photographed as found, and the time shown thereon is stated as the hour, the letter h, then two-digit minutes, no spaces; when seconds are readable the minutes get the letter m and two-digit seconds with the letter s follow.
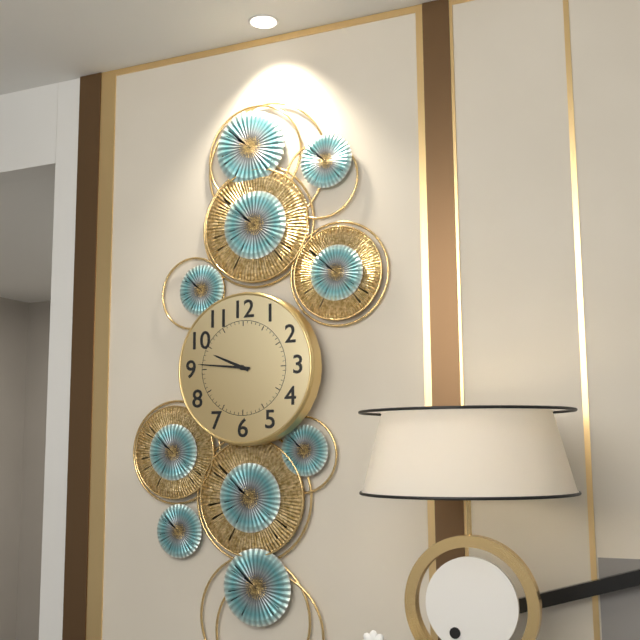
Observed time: 9h46
